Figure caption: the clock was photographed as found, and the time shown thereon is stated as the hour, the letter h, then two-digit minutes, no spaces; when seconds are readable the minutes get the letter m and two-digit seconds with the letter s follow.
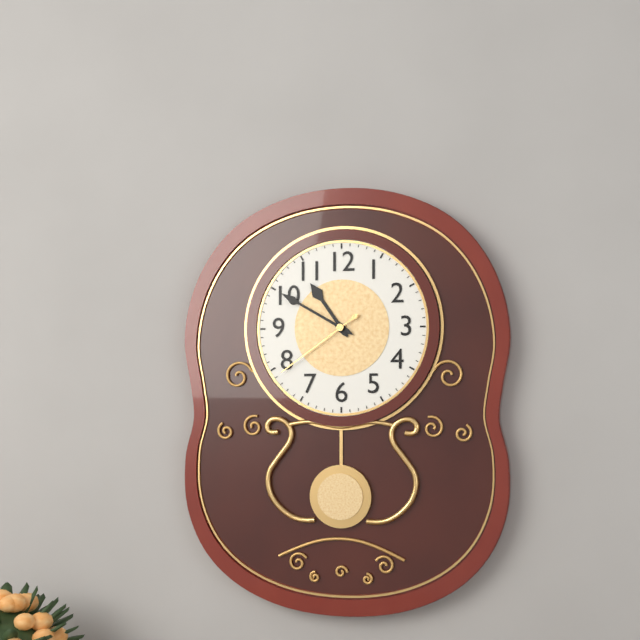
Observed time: 10h50m39s
